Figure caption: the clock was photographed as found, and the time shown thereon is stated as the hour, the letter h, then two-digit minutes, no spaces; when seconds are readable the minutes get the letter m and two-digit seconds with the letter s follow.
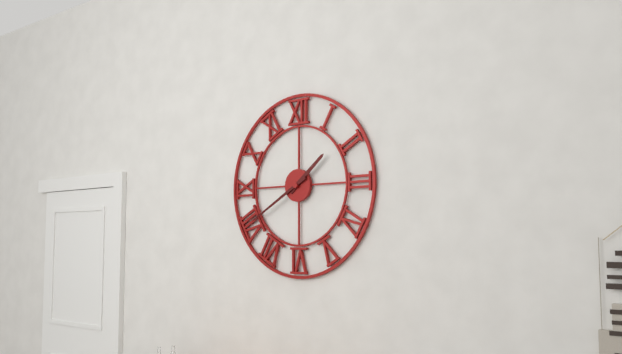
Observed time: 1h40
